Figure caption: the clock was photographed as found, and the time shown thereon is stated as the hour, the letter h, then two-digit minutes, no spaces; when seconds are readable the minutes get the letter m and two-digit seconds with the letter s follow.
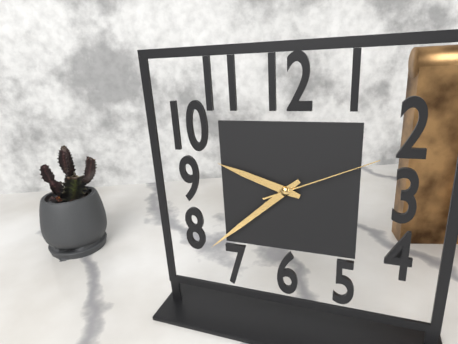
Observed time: 9h38m11s
